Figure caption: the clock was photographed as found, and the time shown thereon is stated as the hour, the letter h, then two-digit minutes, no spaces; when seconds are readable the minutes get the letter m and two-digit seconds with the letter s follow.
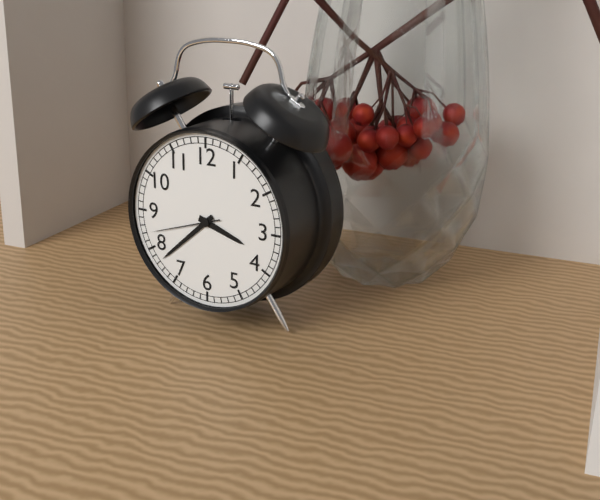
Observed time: 3h38m42s
